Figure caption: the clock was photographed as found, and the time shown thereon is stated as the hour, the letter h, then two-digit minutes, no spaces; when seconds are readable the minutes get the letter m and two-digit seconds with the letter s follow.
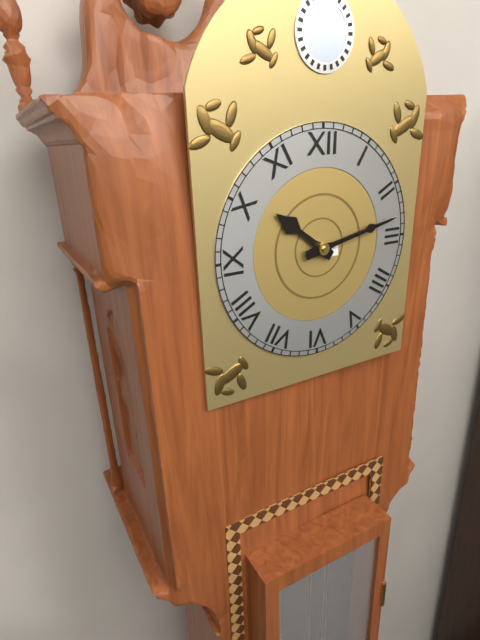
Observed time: 10h13
